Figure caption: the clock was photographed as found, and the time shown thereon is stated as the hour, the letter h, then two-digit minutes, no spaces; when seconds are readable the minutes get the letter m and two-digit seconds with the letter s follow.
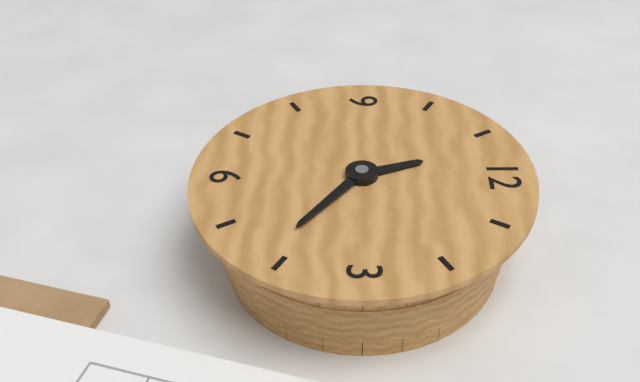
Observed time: 11h21
